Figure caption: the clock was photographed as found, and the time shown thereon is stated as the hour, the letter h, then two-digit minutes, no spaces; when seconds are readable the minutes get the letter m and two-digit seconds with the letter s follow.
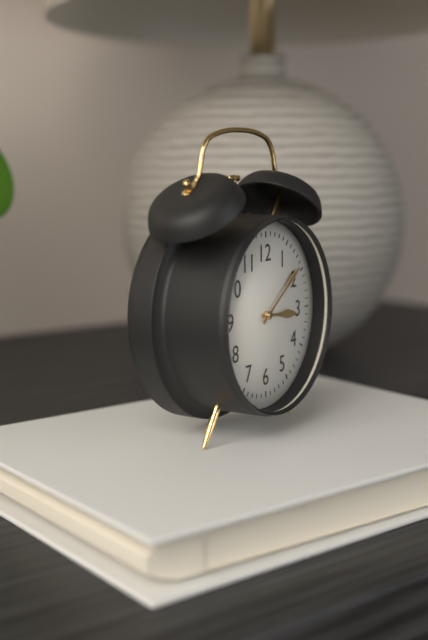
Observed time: 3h09
